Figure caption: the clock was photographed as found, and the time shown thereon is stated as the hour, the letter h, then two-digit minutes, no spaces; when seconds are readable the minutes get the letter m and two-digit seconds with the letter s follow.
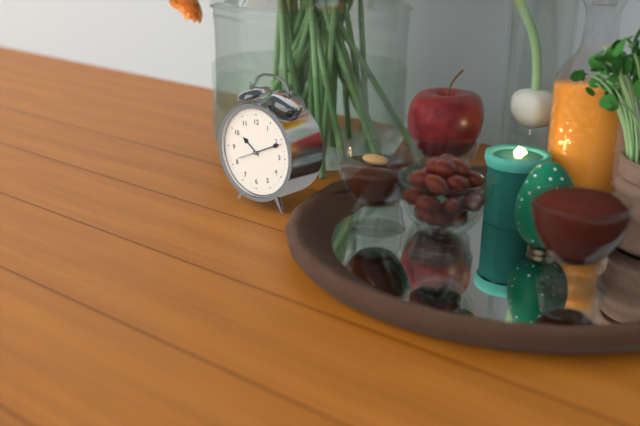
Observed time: 10h11
